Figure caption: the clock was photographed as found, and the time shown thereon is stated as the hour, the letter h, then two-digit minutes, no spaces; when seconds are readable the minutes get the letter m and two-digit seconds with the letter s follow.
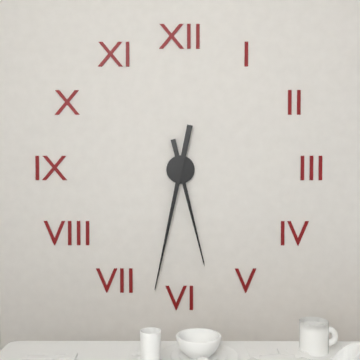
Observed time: 5h32
